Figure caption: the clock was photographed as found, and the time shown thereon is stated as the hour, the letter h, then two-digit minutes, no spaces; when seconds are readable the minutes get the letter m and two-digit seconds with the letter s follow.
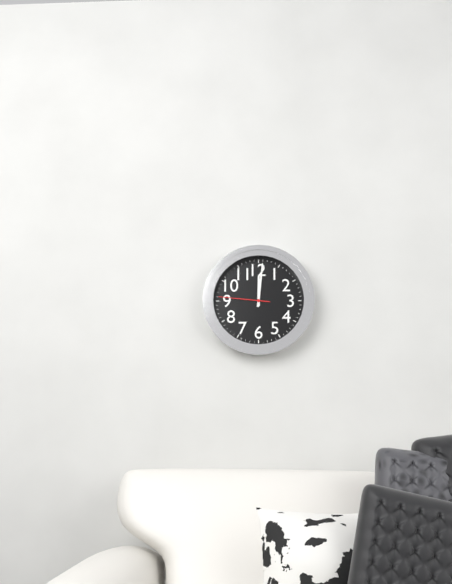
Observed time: 12h01m46s
